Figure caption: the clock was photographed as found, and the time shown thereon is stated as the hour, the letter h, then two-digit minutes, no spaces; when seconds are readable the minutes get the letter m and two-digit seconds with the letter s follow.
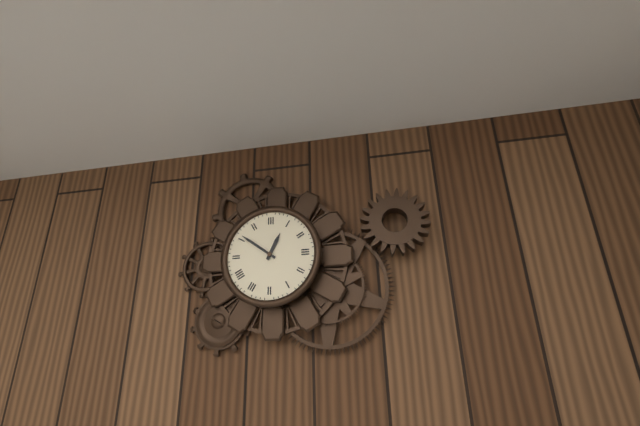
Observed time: 12h51
